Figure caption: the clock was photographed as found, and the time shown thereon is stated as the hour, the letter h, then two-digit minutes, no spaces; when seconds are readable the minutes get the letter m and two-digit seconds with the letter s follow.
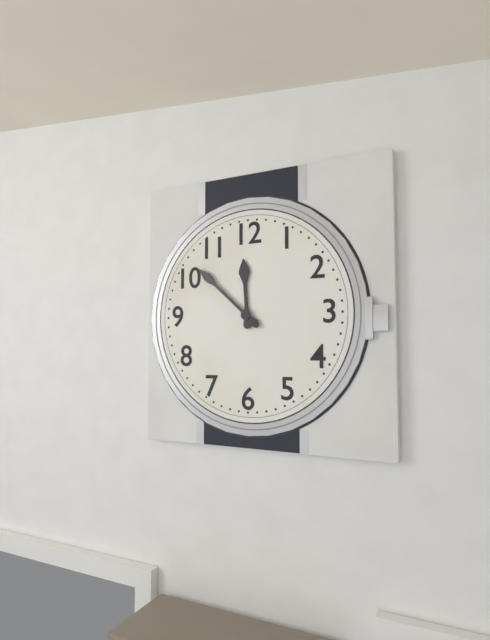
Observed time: 11h52
